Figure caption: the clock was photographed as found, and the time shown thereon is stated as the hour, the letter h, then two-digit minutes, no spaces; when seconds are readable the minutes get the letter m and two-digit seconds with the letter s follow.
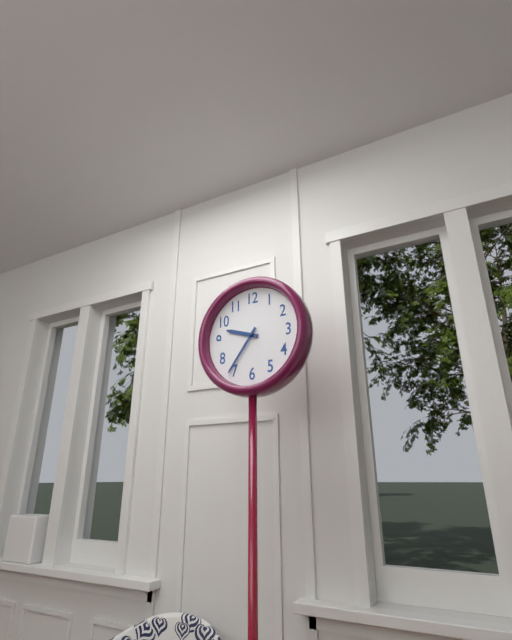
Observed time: 9h36
